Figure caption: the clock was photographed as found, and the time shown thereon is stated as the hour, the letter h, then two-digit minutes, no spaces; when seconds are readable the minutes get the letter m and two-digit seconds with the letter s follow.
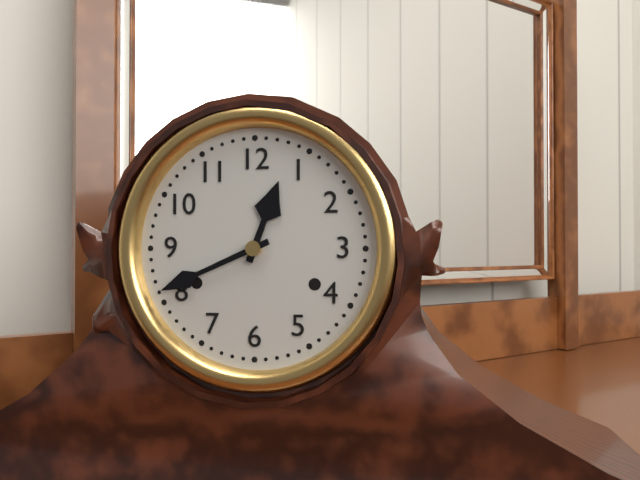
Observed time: 12h41
